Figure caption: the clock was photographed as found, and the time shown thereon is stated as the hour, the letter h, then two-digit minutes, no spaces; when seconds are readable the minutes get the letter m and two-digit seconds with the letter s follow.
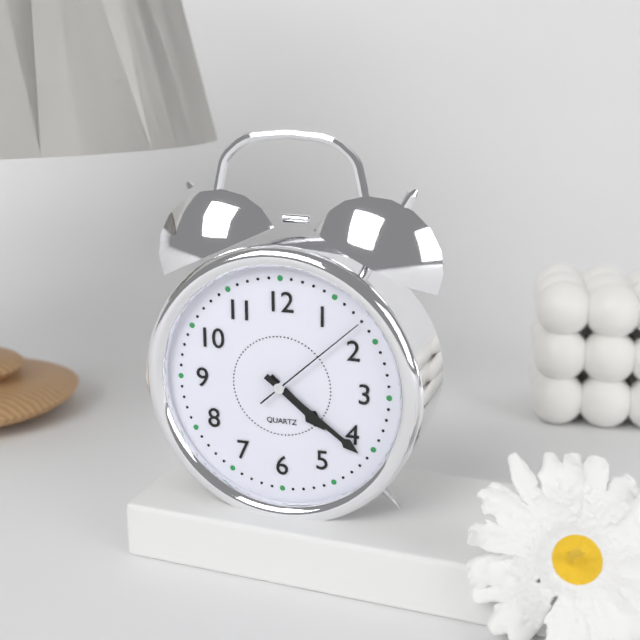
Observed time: 4h21m08s
